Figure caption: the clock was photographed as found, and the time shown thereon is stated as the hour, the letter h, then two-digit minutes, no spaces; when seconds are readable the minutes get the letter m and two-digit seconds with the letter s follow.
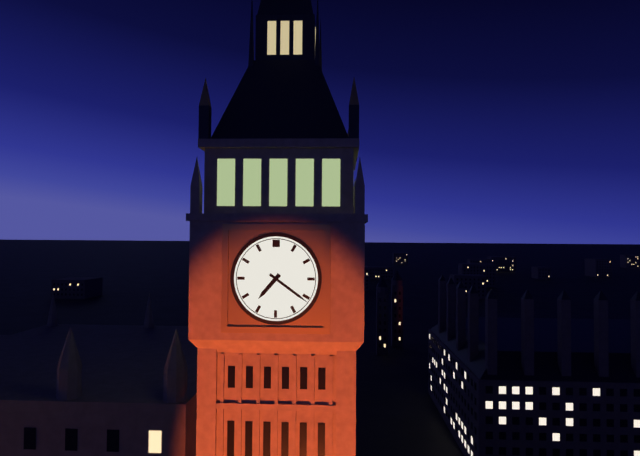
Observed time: 7h21
